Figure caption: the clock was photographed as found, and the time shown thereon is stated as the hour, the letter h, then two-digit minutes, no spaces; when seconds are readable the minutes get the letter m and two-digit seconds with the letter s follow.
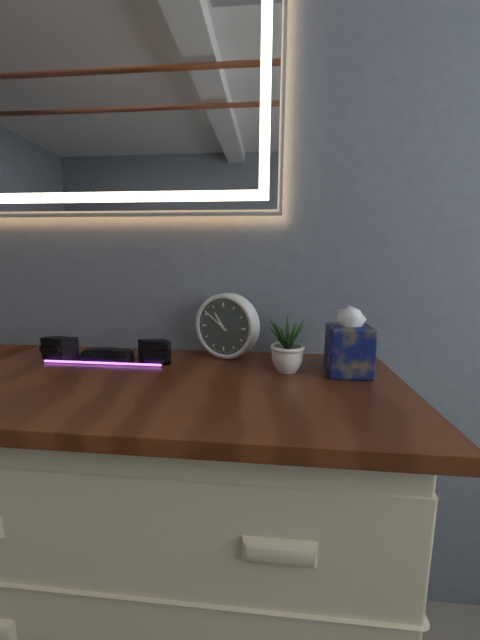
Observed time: 10h51
